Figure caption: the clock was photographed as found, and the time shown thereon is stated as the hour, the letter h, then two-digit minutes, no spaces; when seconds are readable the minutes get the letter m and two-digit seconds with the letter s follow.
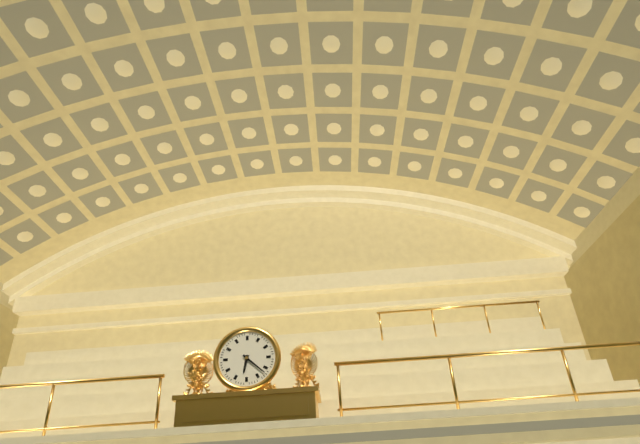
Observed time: 6h22
